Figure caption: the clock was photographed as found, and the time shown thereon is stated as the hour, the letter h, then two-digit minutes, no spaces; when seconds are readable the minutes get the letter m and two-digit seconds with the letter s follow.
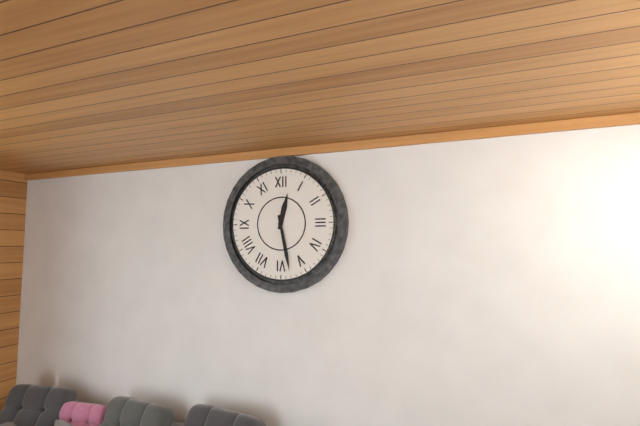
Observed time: 12h28
